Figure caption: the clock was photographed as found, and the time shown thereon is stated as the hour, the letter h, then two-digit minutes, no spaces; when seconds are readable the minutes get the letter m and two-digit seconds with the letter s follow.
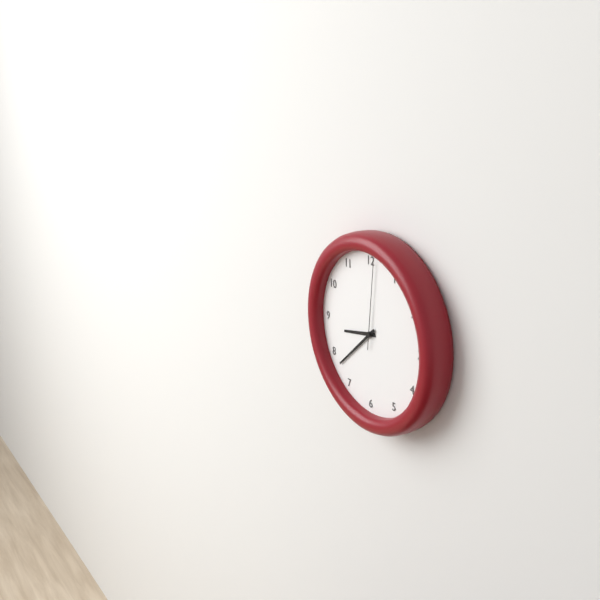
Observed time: 8h38m01s
